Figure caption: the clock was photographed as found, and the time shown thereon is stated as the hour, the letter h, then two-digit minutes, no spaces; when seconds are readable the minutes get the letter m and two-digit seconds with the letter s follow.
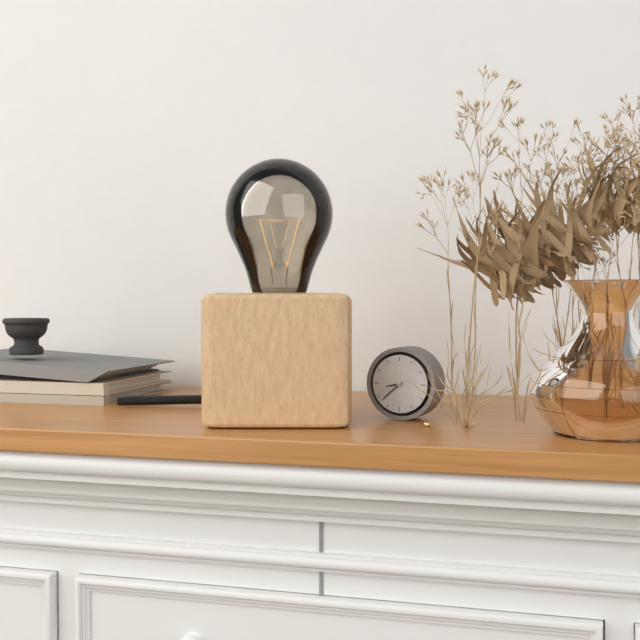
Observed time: 8h38
